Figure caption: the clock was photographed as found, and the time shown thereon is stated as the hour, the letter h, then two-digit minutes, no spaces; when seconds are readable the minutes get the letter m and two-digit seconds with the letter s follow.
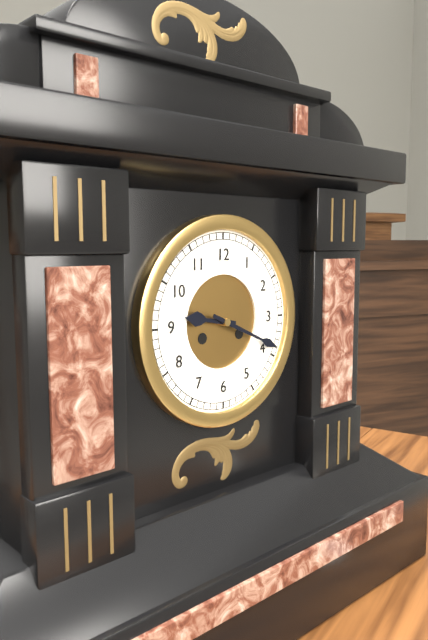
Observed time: 9h19
